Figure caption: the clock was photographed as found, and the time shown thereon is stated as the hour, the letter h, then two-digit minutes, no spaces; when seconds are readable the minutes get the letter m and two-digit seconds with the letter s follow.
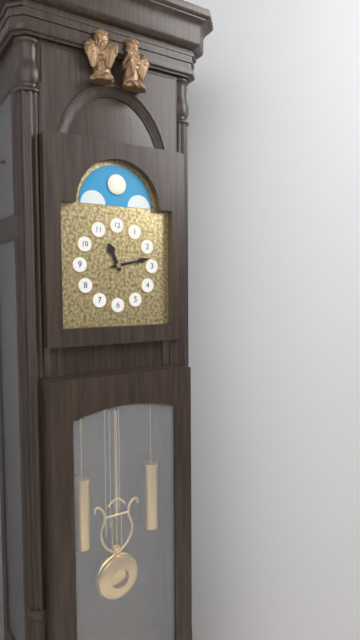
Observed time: 11h13
